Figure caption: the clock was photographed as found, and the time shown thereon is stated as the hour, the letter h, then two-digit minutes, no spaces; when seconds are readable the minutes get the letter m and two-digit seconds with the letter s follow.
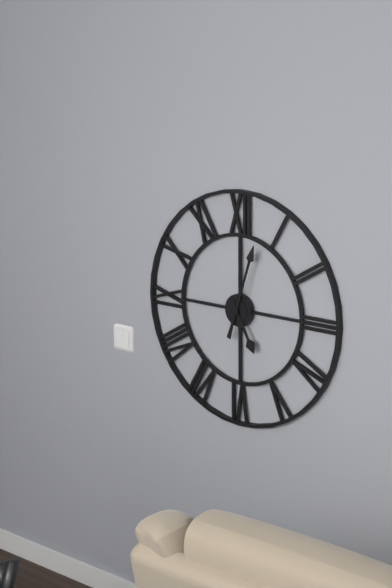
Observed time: 5h03
